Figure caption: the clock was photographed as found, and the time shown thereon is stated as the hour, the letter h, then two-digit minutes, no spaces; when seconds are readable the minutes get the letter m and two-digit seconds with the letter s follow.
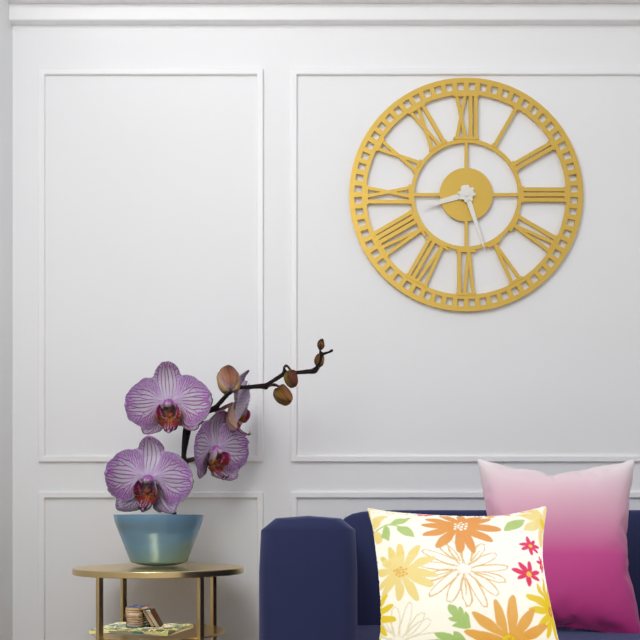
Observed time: 8h27
